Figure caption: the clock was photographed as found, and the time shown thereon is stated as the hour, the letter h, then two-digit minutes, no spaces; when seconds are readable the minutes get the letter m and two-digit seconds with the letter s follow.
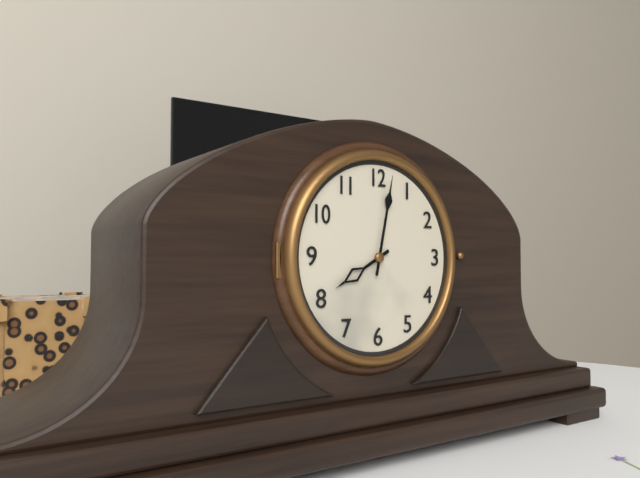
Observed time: 8h02
